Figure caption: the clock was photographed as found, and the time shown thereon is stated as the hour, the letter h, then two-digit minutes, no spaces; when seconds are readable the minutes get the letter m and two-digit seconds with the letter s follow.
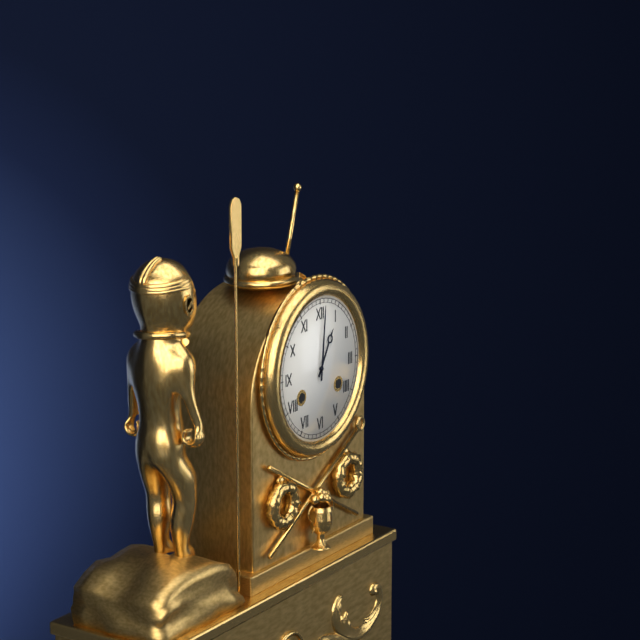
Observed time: 1h01
